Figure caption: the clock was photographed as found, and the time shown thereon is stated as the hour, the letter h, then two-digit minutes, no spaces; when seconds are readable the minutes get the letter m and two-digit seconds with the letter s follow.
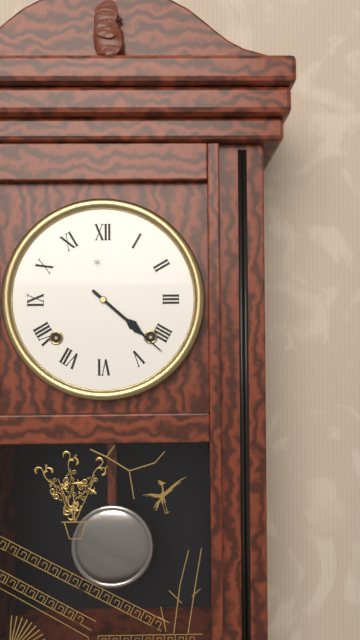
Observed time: 4h22
